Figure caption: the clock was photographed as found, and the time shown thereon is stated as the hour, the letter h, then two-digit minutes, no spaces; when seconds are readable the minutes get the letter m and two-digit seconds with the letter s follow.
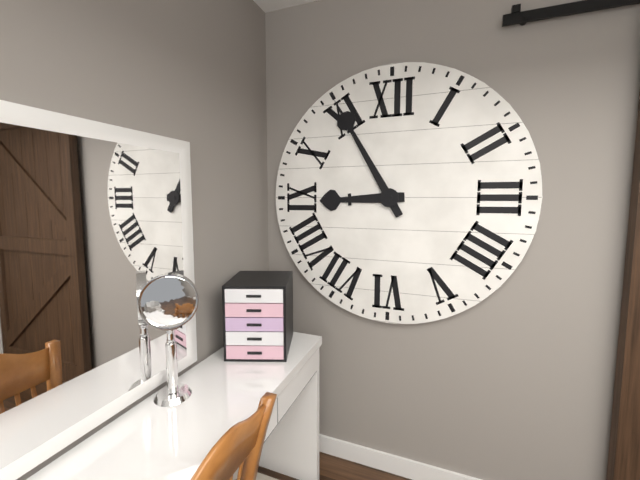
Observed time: 8h55
